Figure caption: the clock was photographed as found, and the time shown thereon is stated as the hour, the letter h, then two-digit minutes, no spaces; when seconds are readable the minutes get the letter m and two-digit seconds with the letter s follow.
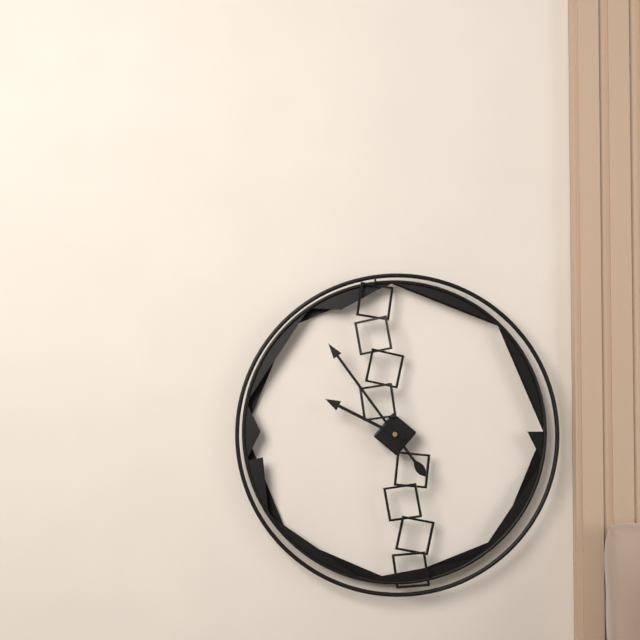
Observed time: 9h54
